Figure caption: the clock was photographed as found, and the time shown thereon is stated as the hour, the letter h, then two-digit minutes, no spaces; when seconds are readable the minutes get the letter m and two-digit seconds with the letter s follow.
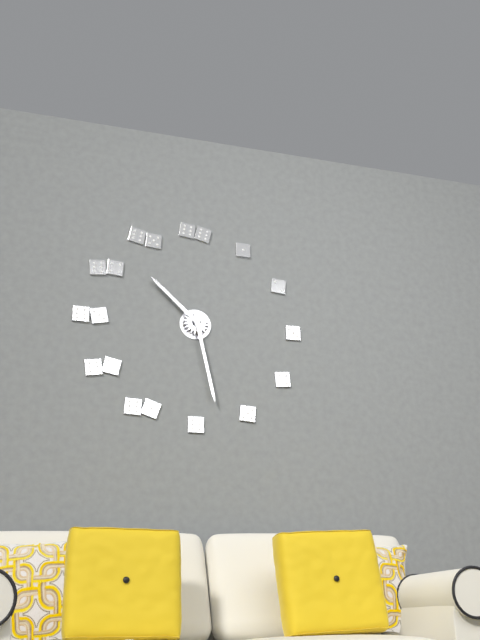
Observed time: 10h28
